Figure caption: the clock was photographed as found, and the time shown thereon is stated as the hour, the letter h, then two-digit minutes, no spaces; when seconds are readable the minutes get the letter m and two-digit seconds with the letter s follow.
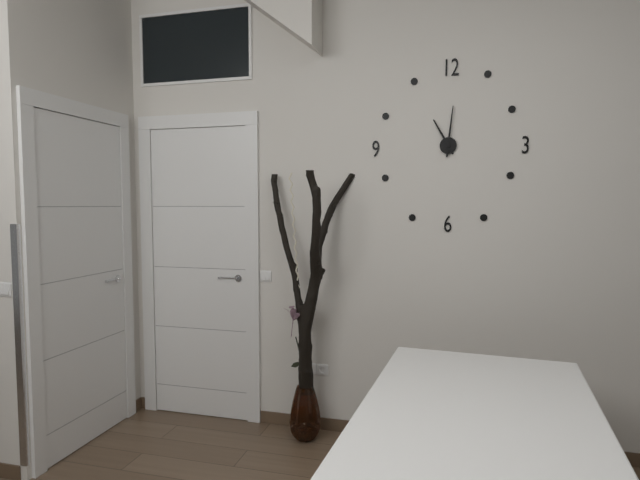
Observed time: 11h01
